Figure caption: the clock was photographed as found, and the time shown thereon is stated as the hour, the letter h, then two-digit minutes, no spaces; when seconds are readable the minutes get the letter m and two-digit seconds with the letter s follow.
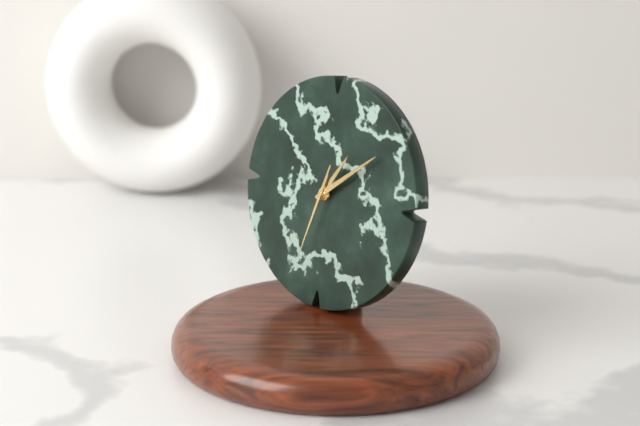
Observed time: 1h09m33s
